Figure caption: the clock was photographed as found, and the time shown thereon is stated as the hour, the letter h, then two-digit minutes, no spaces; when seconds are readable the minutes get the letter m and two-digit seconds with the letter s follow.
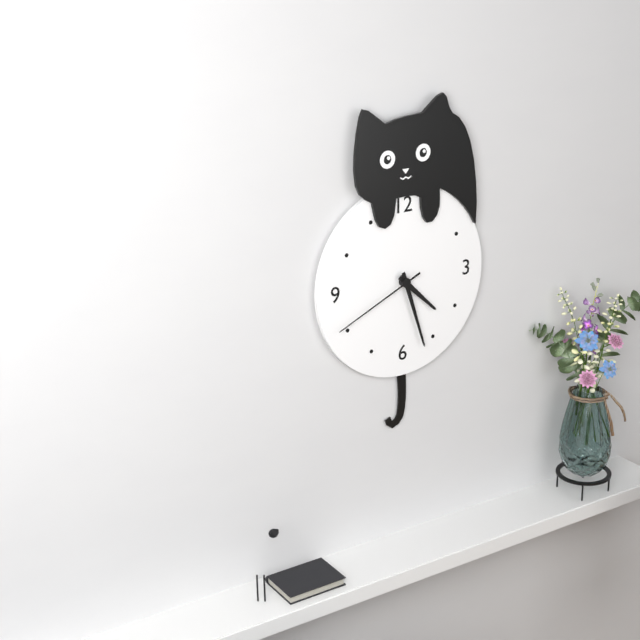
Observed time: 4h27m41s
